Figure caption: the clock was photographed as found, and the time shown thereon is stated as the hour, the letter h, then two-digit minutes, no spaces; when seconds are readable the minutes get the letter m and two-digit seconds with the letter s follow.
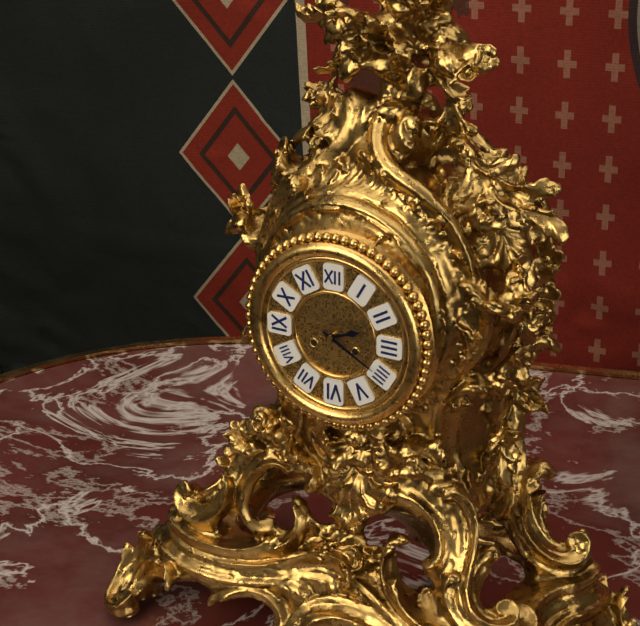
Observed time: 2h20
